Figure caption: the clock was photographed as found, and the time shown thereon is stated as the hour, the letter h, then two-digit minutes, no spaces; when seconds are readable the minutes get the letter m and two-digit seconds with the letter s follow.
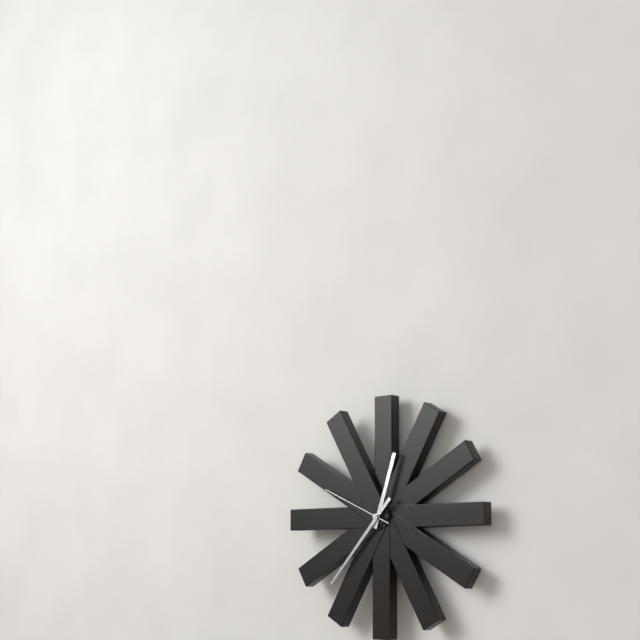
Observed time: 12h37m49s
